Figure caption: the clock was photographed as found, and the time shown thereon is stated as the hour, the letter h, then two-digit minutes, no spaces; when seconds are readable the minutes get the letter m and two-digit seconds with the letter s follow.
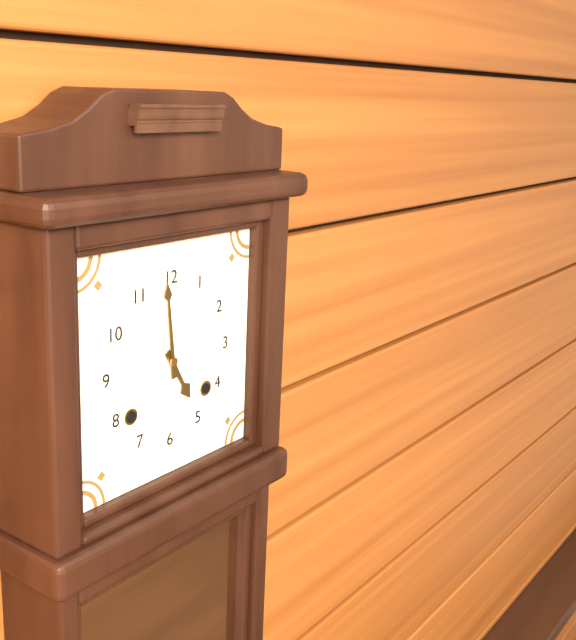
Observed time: 4h59
